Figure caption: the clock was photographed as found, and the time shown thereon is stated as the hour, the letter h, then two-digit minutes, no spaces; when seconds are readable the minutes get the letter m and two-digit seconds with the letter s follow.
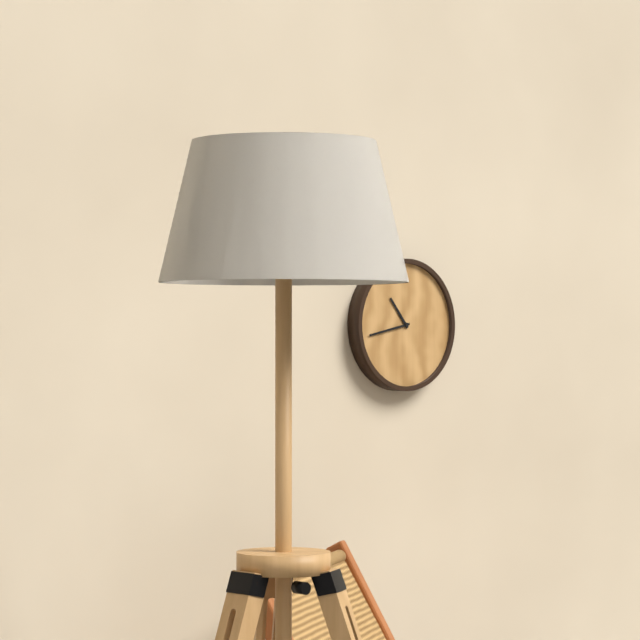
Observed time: 10h43
